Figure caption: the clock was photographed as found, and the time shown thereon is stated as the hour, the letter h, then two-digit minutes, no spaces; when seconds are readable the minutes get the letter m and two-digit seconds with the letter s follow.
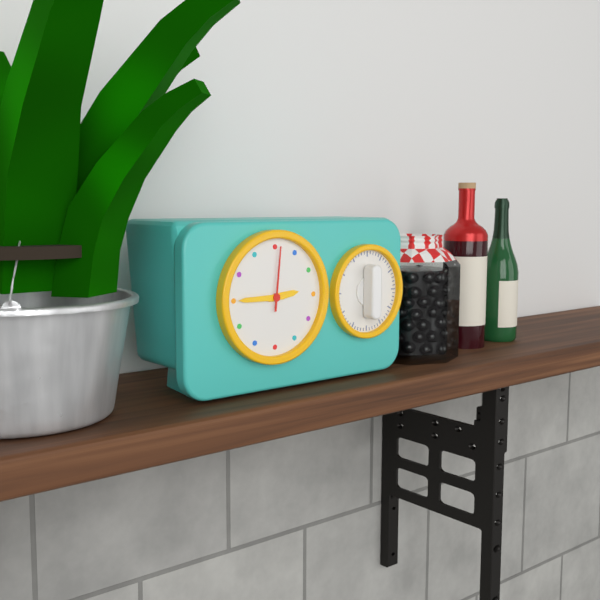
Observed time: 2h45m01s
